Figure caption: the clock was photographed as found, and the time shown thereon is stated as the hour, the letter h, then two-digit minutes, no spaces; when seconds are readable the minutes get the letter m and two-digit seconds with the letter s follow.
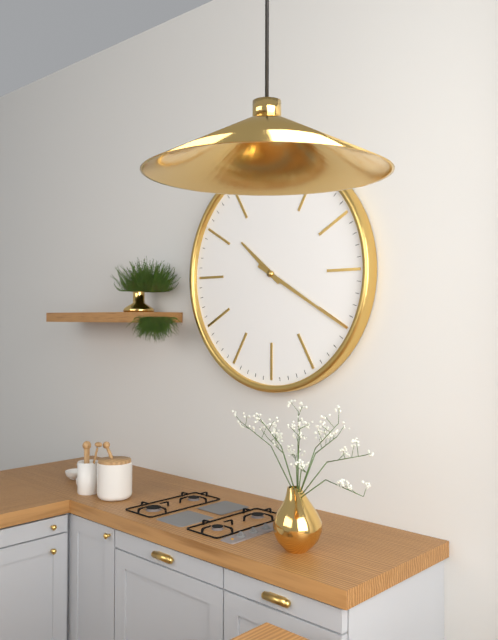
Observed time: 10h20
